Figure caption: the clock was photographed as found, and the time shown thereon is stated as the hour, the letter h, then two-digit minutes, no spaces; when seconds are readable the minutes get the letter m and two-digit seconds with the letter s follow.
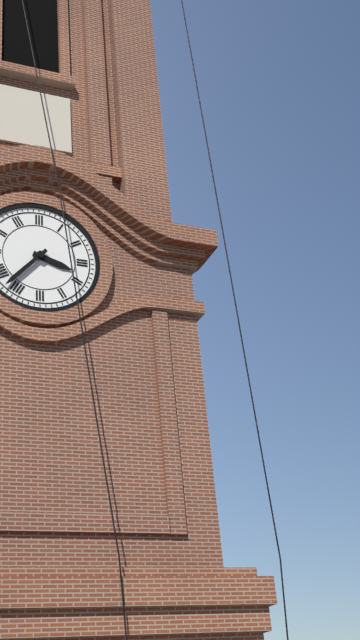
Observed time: 3h37
